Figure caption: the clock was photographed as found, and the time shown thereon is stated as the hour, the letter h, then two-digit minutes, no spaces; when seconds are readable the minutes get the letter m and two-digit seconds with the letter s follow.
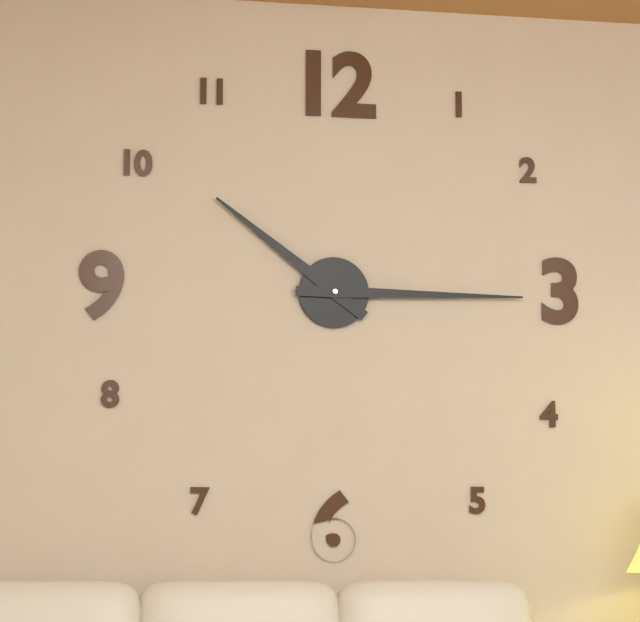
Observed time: 10h15
